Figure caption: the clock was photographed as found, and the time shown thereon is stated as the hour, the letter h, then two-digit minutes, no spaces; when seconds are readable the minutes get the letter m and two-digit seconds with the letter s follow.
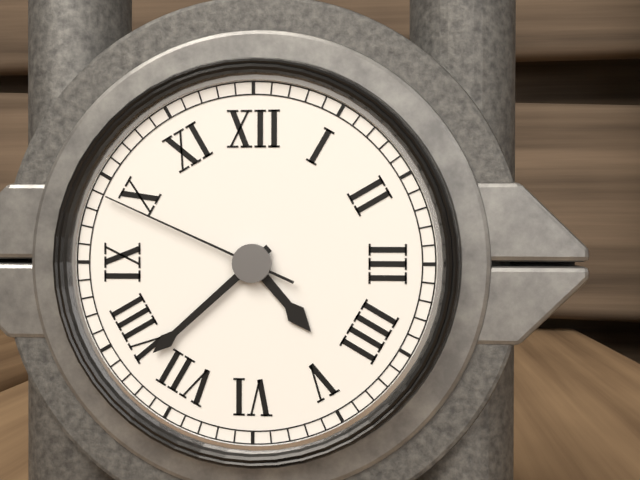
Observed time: 4h38m49s
